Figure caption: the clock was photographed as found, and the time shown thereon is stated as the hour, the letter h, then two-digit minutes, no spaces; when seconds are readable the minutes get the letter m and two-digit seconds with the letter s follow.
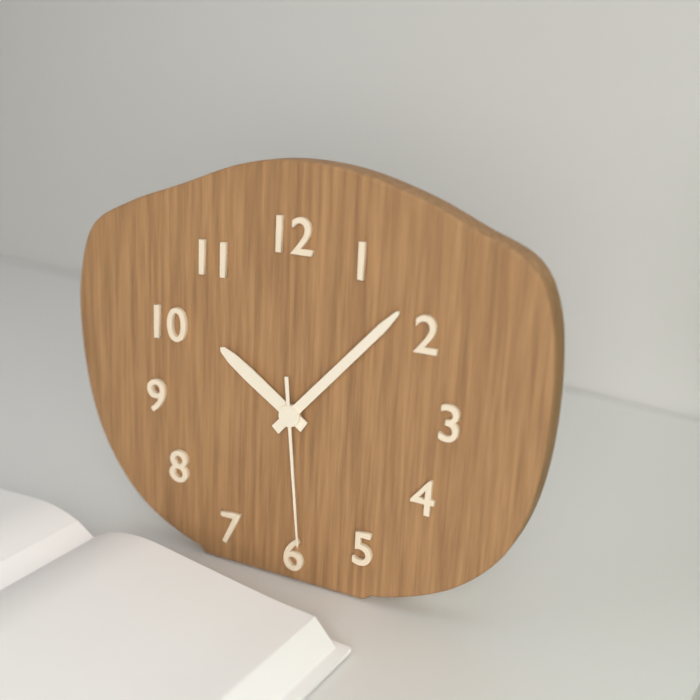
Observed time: 10h07m29s
